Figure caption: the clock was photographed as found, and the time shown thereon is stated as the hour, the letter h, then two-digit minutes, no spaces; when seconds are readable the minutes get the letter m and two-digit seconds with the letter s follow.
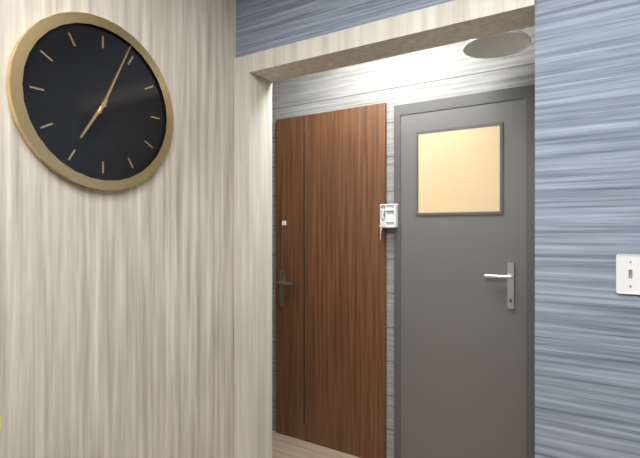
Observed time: 7h04
